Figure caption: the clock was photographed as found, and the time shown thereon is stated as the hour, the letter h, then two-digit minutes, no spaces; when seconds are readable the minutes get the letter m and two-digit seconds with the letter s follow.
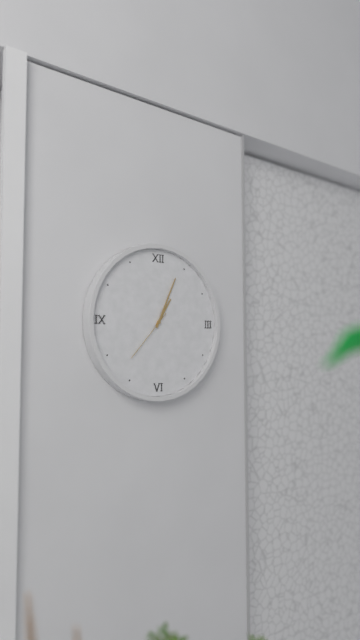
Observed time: 1h04m37s
